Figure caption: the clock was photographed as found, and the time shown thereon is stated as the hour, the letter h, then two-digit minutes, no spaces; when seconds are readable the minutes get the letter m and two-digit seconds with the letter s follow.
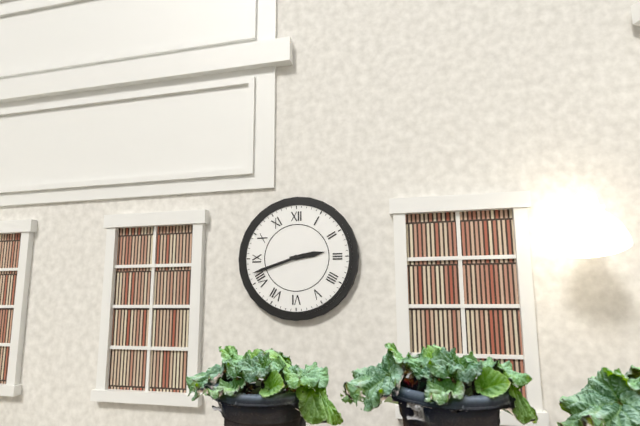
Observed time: 2h42
